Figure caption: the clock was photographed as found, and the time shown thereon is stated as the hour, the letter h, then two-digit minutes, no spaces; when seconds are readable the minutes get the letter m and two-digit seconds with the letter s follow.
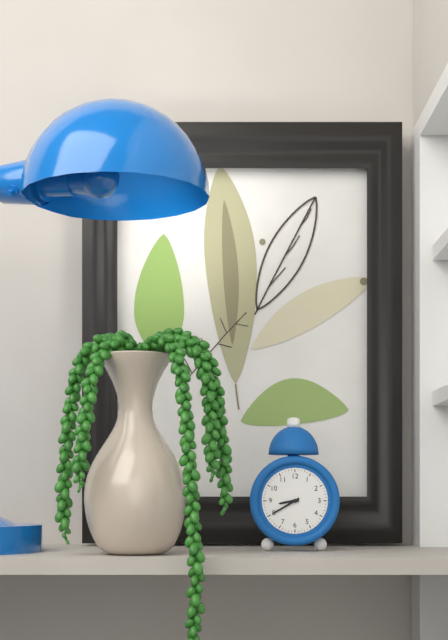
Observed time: 8h40
